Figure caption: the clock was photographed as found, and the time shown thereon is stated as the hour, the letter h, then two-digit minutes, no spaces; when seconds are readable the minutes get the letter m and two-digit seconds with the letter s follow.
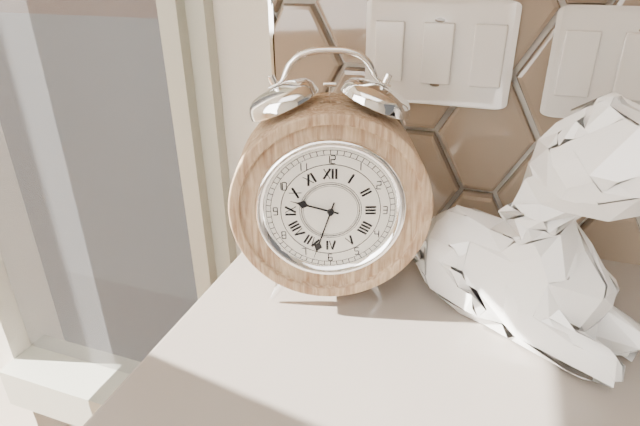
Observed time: 9h33
